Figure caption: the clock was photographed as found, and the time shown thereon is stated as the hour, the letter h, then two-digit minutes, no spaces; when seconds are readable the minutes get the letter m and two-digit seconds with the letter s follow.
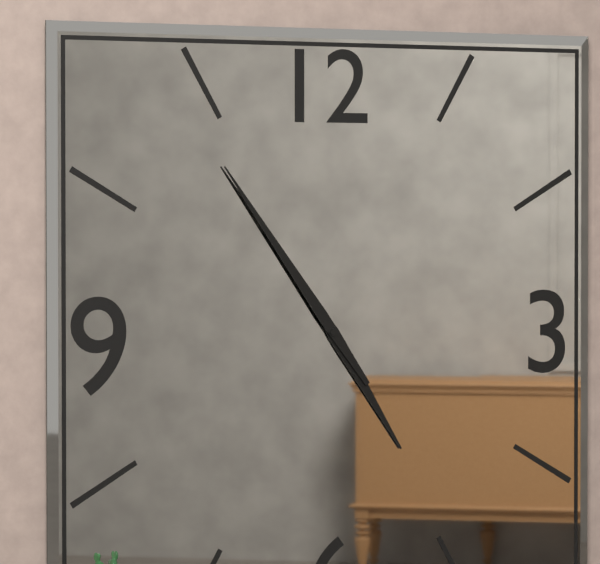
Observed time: 4h54
